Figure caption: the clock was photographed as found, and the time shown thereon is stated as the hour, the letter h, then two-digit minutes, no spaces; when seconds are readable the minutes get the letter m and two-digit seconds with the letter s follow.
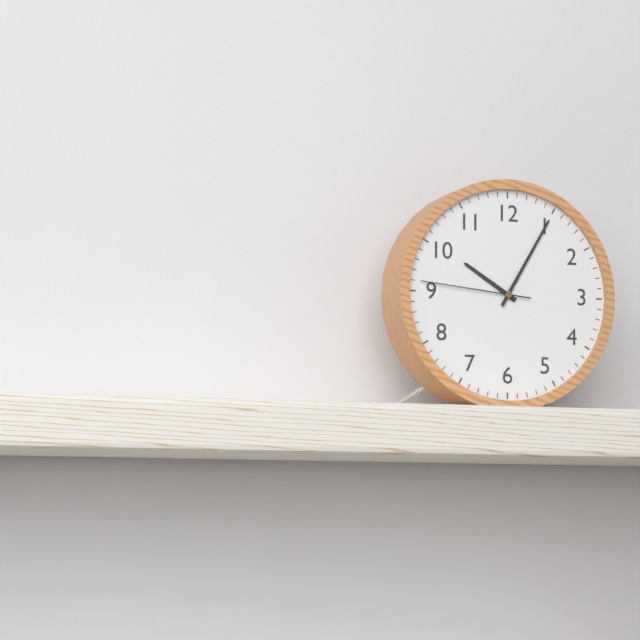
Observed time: 10h05m46s
